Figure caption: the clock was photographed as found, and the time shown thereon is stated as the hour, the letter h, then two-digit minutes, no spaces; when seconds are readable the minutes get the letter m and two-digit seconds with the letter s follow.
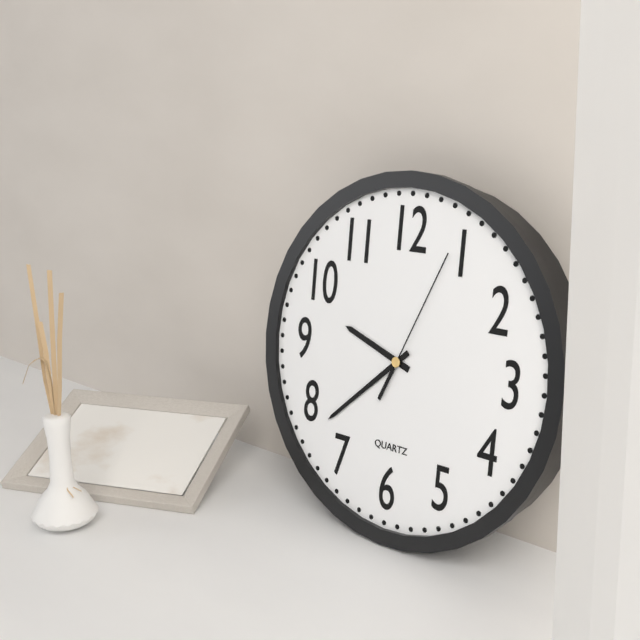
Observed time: 9h38m04s
